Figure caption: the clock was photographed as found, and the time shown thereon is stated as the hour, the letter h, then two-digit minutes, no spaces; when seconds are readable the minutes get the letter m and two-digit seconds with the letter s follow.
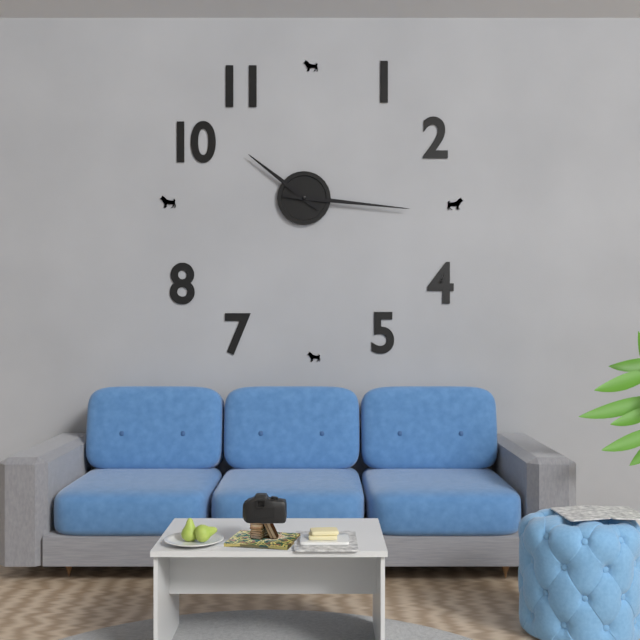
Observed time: 10h16
